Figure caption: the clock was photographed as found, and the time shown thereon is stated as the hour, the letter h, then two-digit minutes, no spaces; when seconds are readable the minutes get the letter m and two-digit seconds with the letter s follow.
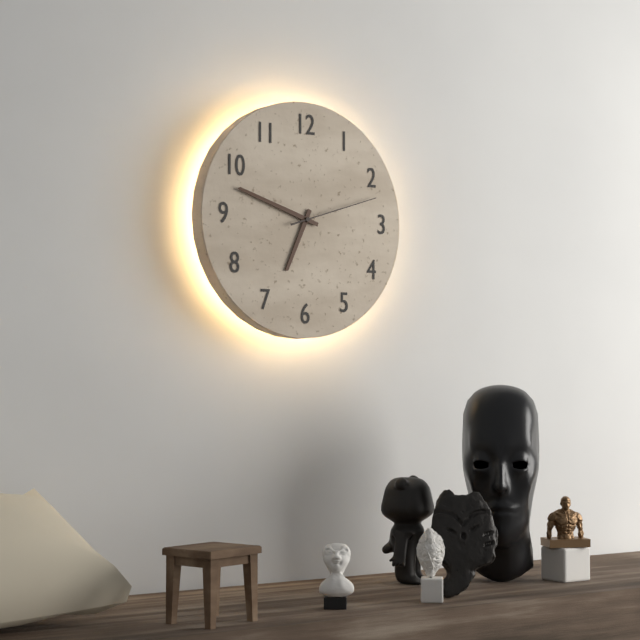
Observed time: 6h48m12s
